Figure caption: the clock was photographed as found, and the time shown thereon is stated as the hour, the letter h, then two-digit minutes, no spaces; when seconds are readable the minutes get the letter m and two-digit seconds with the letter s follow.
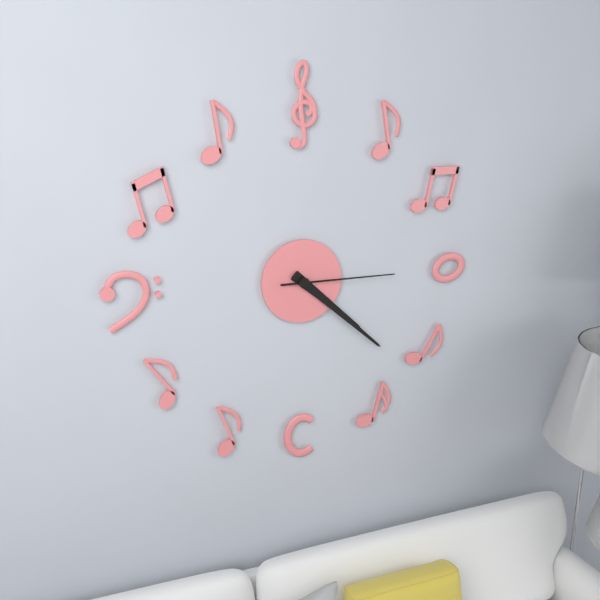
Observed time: 4h22m15s
